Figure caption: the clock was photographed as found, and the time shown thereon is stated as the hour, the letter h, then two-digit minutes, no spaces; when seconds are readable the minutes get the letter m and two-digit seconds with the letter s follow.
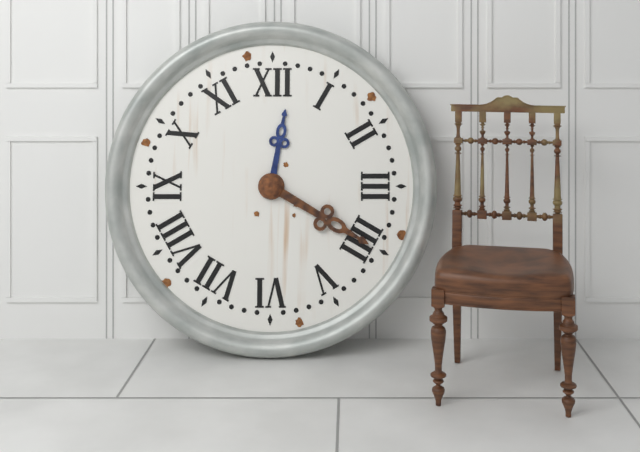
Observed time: 12h20
